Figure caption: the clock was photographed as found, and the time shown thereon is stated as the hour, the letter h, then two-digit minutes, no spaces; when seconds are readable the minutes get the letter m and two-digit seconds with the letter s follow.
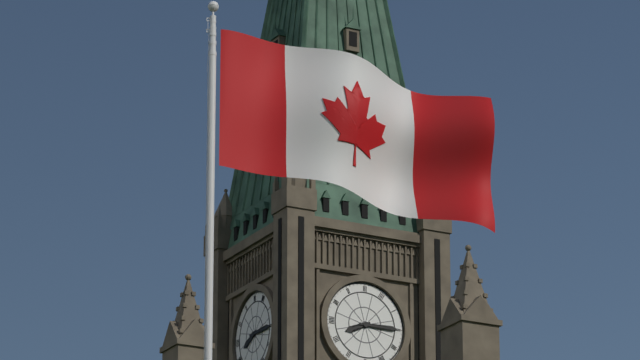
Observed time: 8h15
